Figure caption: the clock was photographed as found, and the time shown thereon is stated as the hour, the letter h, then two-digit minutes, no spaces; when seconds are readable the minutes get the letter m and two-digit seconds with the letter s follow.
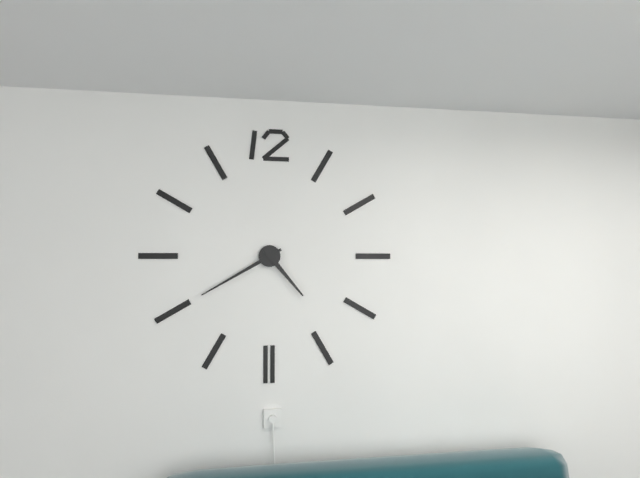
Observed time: 4h40
